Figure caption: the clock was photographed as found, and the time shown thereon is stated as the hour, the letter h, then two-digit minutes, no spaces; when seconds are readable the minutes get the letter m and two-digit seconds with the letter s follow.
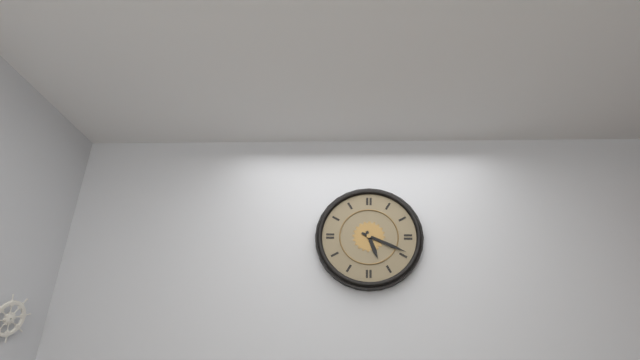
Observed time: 5h19
